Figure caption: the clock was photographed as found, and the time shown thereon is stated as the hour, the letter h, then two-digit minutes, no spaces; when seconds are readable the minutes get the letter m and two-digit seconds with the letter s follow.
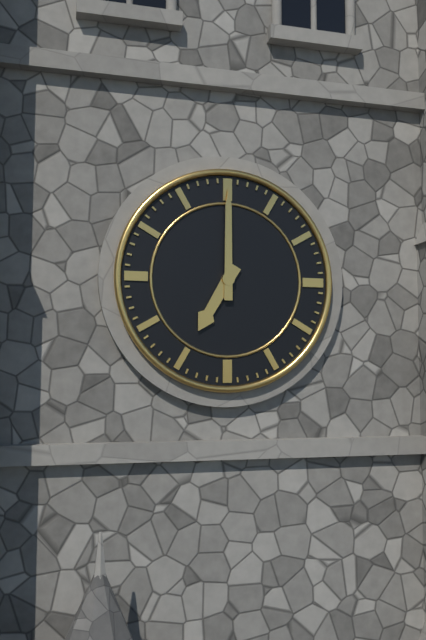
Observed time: 7h00
